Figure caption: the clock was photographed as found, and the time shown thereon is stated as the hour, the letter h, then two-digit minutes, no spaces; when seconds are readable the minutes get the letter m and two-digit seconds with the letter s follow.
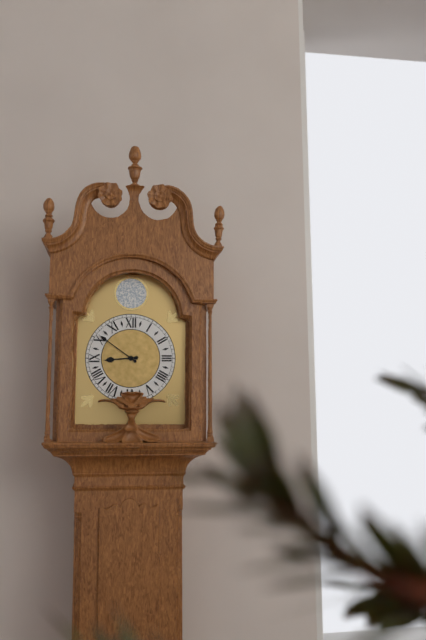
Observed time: 8h51
